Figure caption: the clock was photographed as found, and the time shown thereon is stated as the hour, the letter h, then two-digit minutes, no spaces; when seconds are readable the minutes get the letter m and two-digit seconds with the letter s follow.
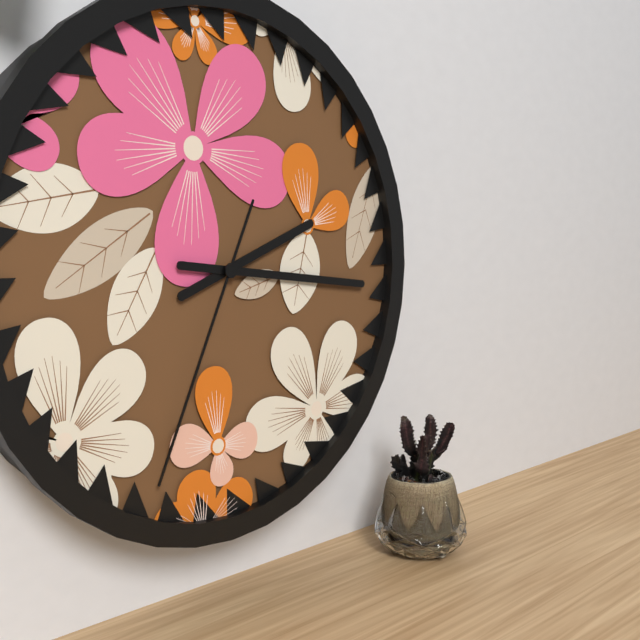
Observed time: 2h16m34s
